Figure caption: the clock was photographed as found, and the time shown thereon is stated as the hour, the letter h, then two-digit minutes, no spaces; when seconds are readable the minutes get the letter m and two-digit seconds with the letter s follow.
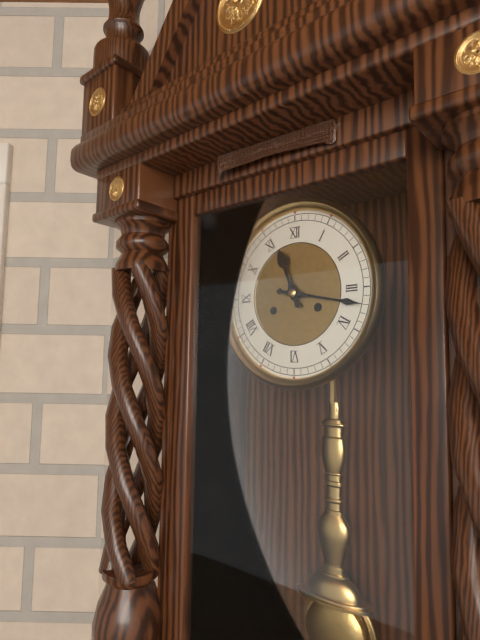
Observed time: 11h17
